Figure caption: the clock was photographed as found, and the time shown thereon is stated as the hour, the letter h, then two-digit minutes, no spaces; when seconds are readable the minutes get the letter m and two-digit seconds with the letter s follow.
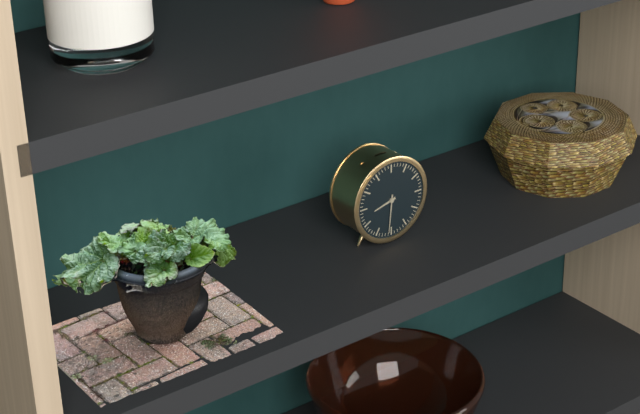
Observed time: 8h31
